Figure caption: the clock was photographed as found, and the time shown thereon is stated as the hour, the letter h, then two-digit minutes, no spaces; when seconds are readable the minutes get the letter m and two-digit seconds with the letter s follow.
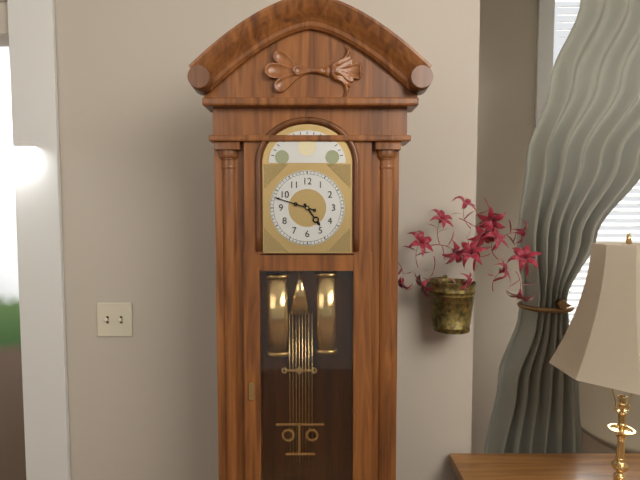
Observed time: 4h48
